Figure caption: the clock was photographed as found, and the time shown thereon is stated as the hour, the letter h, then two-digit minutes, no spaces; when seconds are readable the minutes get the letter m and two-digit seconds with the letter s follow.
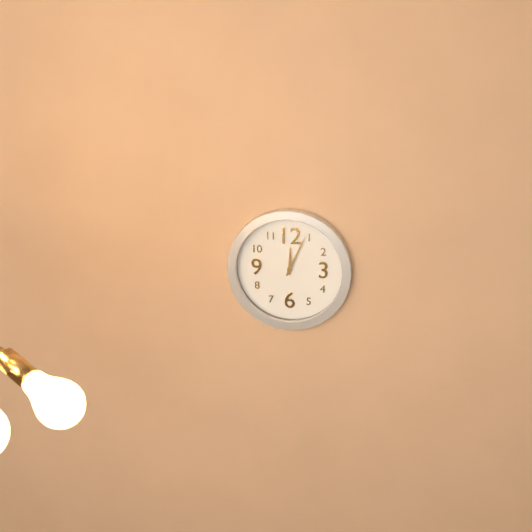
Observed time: 12h04
